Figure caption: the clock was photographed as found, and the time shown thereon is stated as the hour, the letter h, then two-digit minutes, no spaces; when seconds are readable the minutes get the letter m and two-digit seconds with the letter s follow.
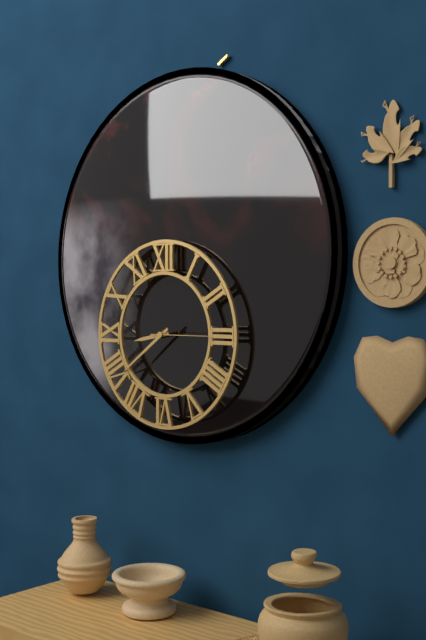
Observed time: 8h39m15s
